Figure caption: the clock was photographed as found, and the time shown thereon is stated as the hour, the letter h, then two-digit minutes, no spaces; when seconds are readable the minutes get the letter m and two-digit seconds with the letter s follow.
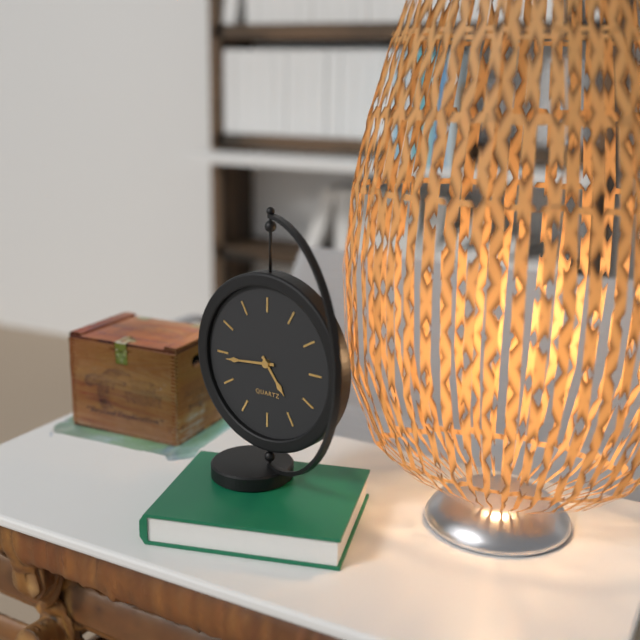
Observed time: 4h44
